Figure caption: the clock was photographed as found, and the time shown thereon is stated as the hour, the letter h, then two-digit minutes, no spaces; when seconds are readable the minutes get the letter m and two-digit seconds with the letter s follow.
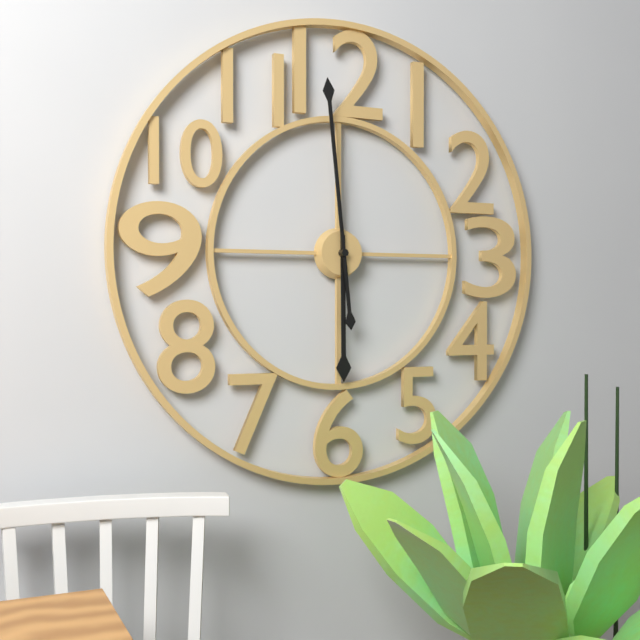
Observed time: 5h59
